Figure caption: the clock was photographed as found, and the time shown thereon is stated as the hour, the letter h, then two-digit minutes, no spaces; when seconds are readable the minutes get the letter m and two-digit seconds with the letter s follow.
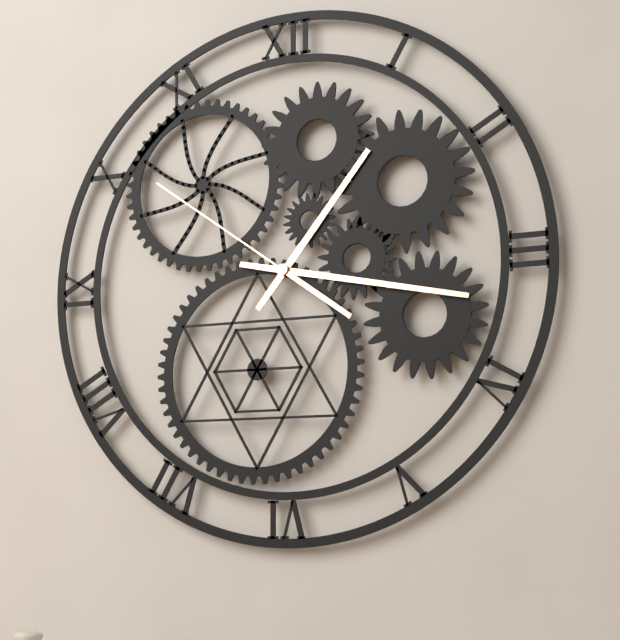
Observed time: 1h17m51s
